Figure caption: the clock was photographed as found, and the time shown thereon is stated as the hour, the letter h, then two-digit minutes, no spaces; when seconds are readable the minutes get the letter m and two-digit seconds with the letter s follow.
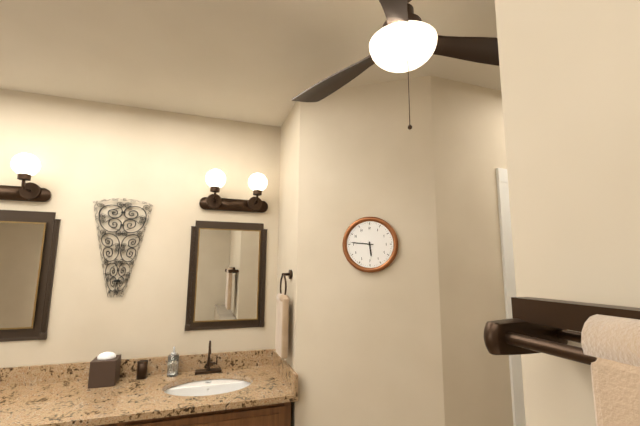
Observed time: 5h46
